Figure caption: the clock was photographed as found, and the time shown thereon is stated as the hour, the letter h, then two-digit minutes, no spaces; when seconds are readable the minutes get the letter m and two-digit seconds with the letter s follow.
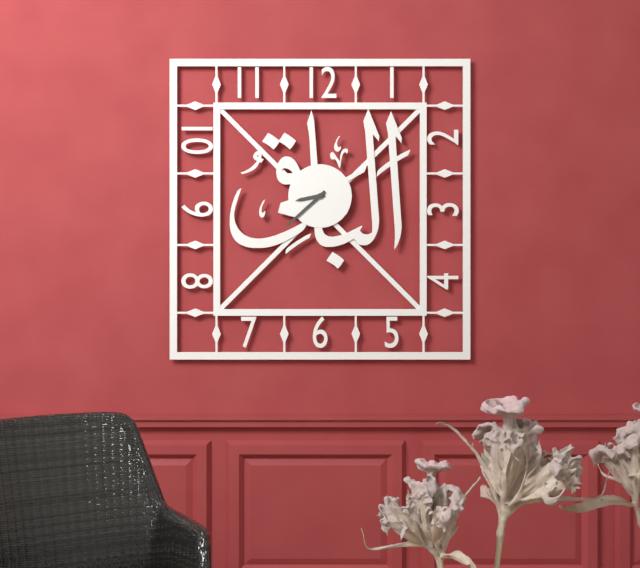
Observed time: 8h38
